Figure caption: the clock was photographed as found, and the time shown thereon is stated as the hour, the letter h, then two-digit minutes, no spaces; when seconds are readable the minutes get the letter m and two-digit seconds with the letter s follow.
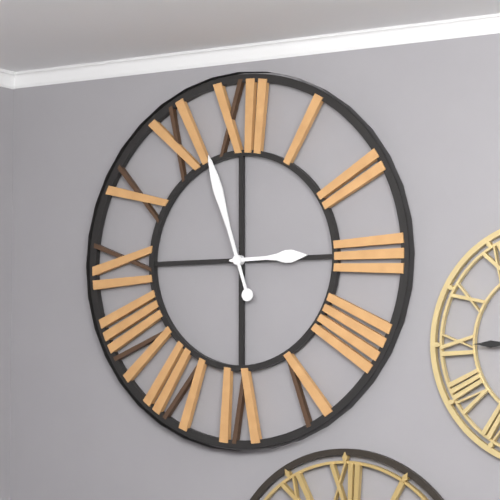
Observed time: 2h57
